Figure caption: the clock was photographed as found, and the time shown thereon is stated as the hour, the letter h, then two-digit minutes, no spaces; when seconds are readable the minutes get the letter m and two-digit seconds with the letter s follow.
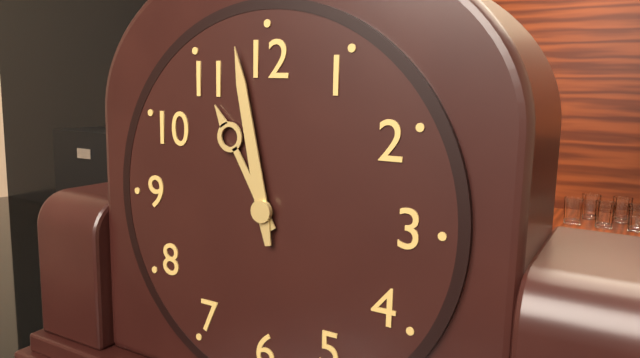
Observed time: 10h58
